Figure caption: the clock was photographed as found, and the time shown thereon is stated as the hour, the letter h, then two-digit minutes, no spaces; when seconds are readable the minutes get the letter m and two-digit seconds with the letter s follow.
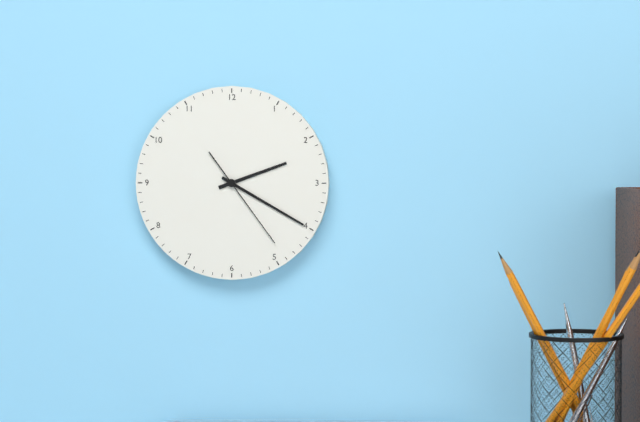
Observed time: 2h20m24s
